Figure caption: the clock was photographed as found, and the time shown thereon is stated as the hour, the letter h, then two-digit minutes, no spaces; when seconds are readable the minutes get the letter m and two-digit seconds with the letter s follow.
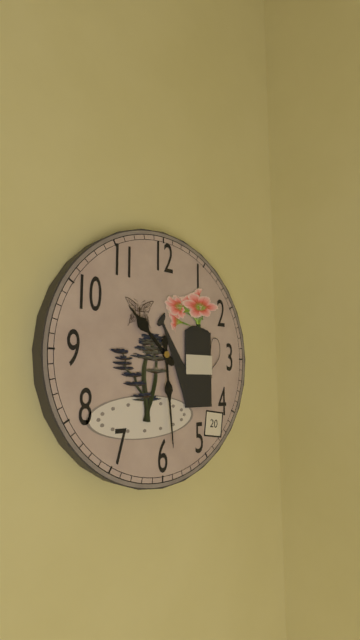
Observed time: 10h29
